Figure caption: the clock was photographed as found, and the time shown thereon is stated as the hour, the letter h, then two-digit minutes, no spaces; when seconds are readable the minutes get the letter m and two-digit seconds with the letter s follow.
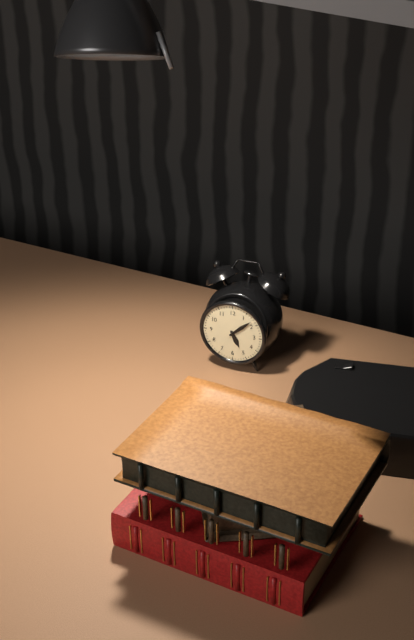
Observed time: 5h08
